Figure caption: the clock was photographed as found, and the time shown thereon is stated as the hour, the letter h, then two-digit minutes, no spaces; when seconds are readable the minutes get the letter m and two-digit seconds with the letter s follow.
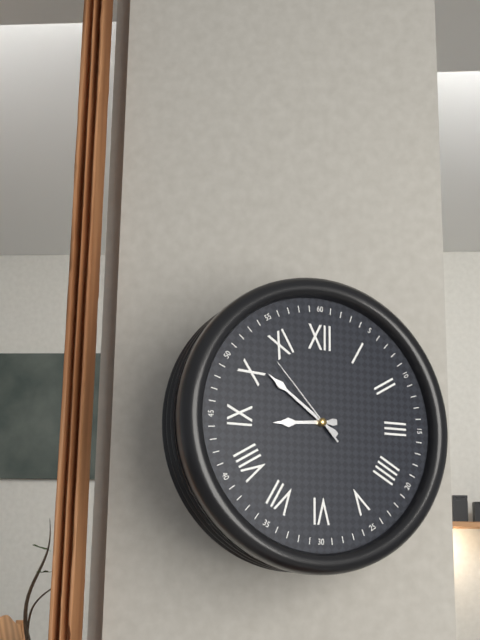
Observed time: 8h51m53s
